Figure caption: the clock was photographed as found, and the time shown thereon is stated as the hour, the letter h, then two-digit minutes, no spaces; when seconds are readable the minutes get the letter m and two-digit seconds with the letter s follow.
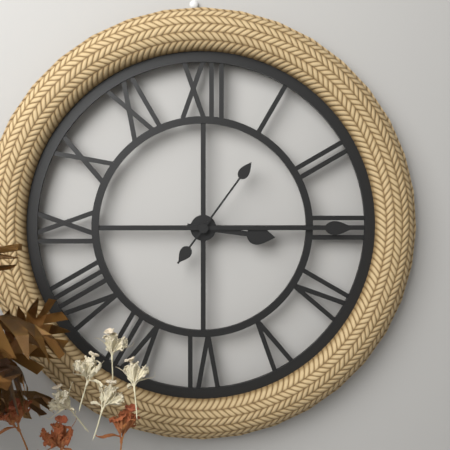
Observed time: 3h15m06s
